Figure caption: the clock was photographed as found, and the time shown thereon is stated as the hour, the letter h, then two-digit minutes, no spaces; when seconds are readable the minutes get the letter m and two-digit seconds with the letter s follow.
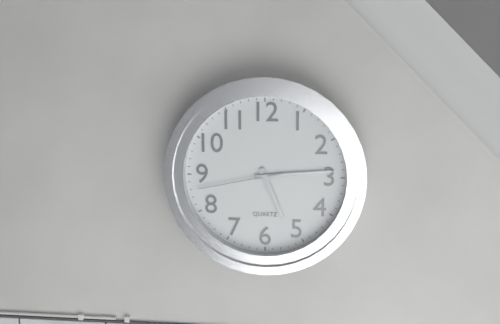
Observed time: 5h14m43s
